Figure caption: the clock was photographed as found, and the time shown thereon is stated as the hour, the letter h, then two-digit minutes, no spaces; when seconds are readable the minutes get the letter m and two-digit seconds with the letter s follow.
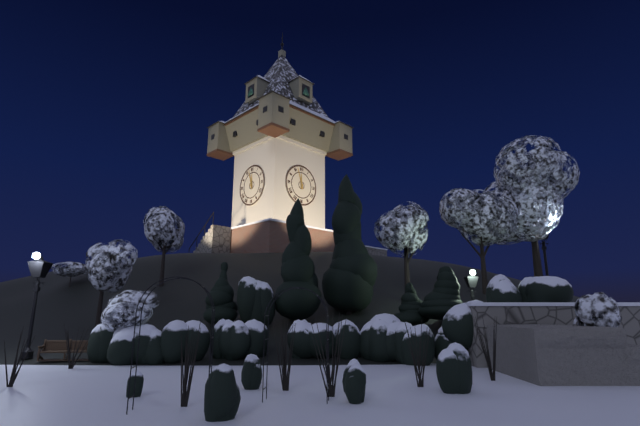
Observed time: 11h57
